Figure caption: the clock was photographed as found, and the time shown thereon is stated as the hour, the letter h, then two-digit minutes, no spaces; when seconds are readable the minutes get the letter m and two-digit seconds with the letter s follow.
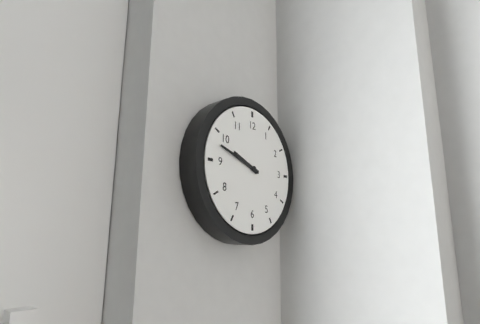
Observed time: 9h48
